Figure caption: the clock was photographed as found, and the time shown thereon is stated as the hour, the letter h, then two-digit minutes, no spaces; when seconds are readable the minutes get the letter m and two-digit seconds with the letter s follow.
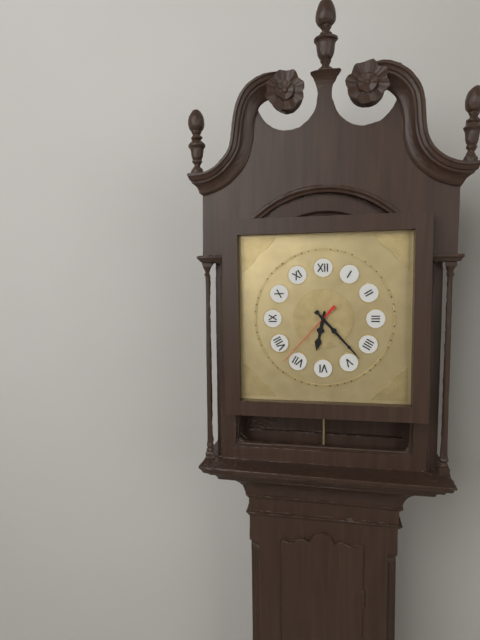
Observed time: 6h23m37s
